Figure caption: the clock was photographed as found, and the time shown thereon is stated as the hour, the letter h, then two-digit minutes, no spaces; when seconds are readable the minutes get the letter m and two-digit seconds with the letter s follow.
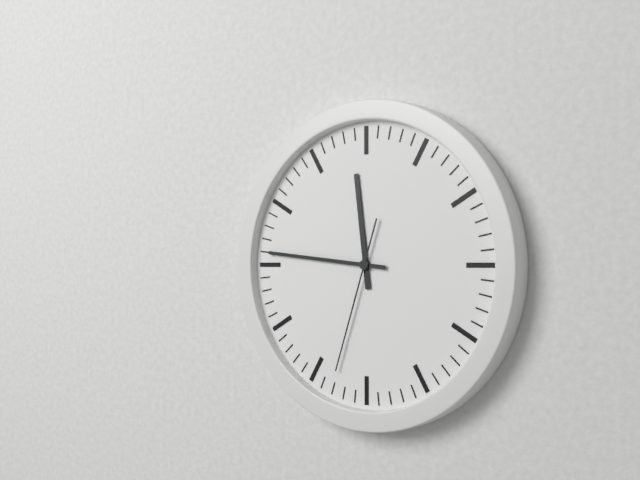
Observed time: 11h46m33s
